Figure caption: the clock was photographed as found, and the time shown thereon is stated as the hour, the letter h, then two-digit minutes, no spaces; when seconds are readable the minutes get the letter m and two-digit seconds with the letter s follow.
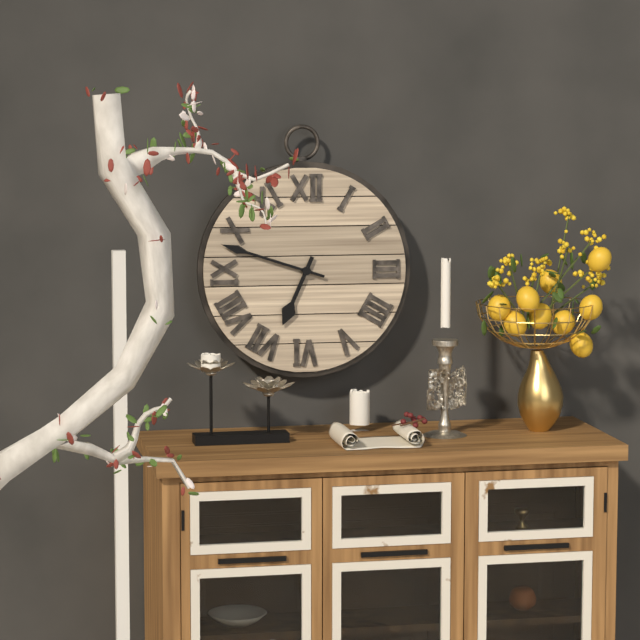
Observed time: 6h48
